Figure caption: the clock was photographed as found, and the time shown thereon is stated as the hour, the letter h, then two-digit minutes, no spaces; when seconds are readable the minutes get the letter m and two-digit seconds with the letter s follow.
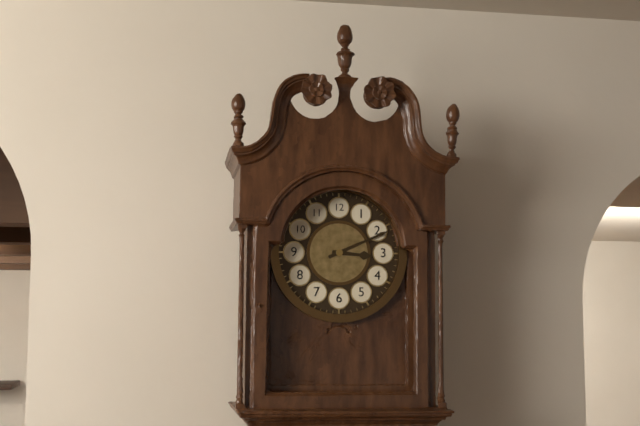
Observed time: 3h11
